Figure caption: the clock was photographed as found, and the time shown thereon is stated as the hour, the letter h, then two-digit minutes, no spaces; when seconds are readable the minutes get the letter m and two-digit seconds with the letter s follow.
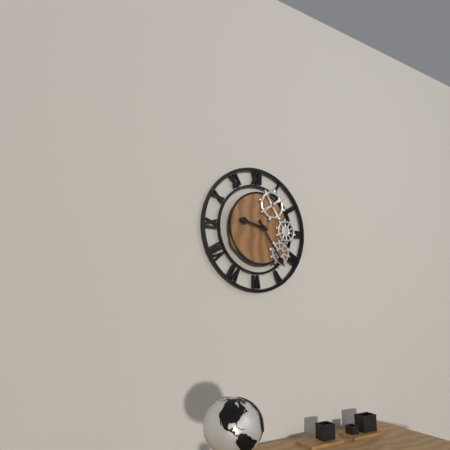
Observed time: 9h24
